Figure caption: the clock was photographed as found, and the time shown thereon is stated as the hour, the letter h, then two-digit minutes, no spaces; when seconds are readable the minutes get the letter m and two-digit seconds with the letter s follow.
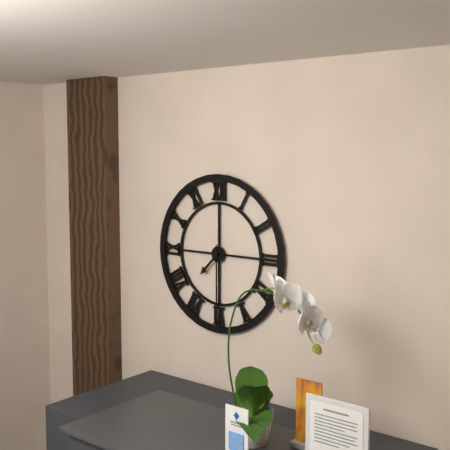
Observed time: 7h30
